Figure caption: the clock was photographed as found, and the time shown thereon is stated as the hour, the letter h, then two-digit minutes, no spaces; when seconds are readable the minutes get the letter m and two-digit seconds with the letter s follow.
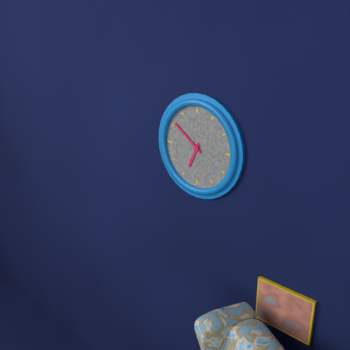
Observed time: 6h51
